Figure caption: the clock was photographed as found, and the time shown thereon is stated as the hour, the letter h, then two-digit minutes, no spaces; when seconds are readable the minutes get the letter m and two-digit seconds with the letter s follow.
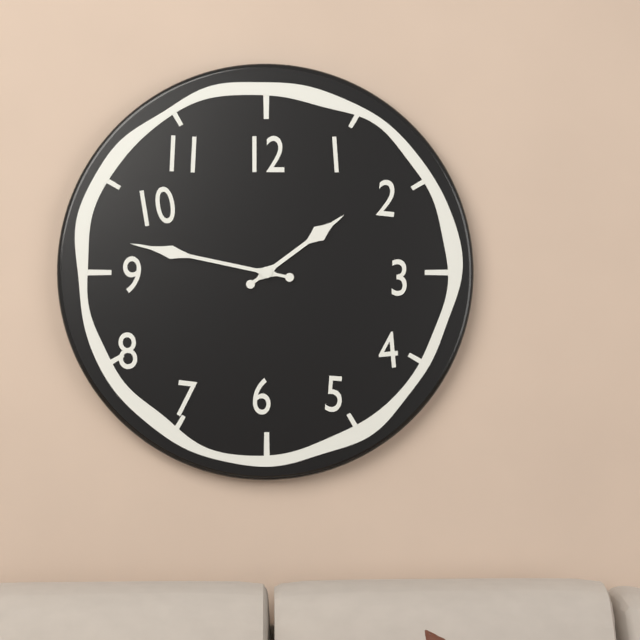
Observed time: 1h47
